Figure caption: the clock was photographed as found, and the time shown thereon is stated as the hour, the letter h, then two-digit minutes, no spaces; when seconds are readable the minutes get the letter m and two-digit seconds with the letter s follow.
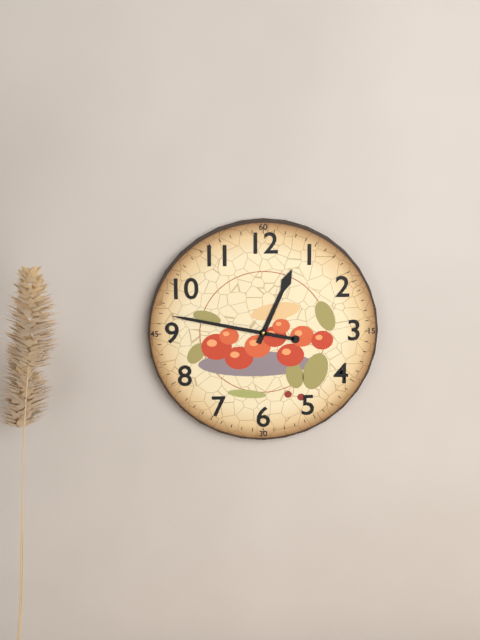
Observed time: 12h47
